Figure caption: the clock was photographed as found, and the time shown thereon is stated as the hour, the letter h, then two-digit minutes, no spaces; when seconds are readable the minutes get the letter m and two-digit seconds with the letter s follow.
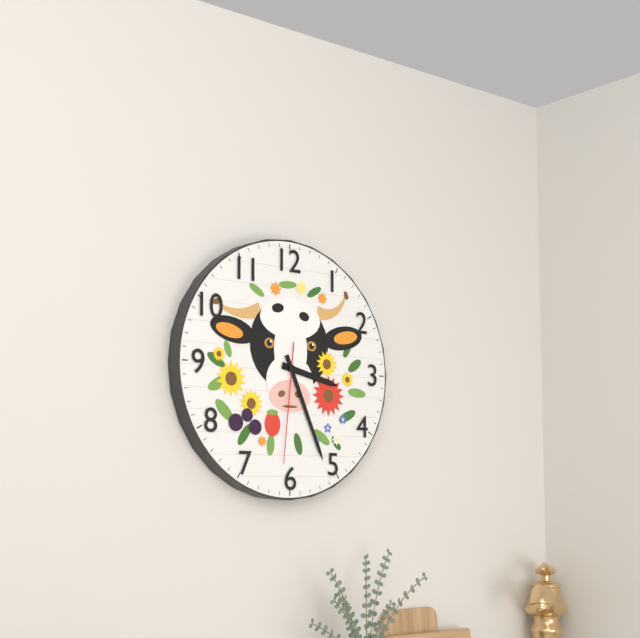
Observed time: 3h26m31s
